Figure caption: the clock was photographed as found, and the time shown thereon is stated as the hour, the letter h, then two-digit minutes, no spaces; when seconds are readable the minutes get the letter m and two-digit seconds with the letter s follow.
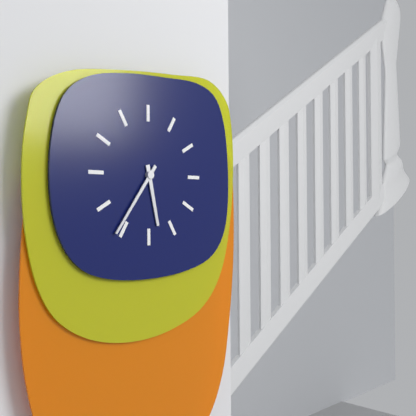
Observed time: 5h36
